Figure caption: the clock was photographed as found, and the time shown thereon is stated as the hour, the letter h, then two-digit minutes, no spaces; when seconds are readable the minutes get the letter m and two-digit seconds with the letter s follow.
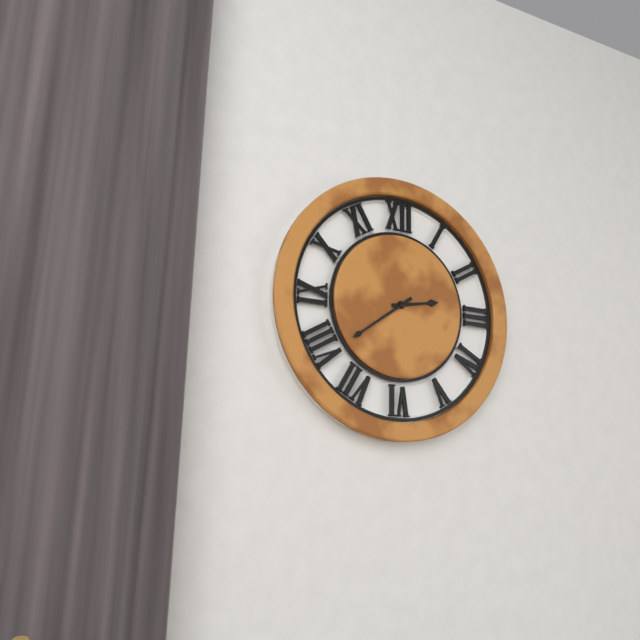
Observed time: 2h39
